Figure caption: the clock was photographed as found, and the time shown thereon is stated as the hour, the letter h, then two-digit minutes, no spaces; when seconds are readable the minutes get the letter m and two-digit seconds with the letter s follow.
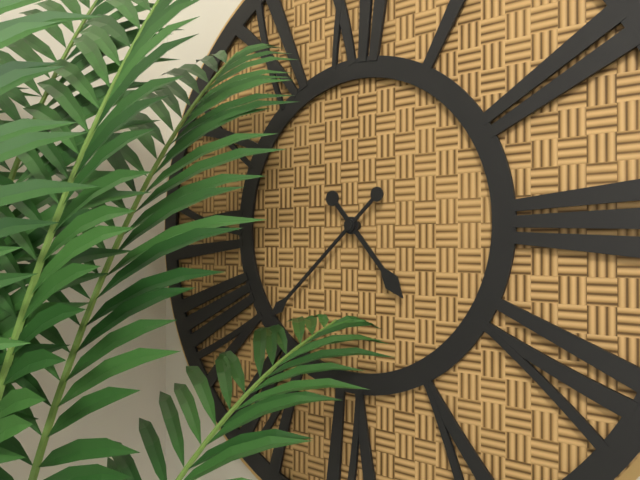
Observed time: 4h38
